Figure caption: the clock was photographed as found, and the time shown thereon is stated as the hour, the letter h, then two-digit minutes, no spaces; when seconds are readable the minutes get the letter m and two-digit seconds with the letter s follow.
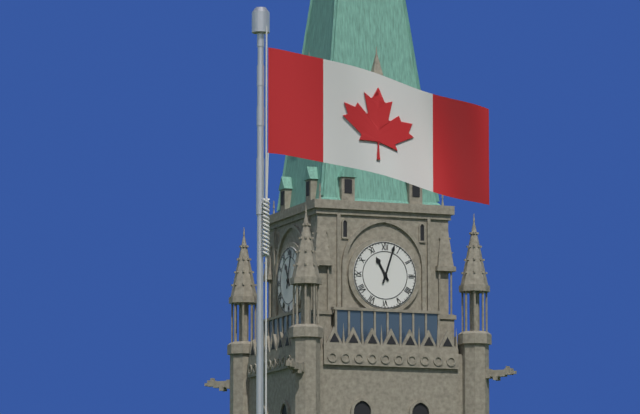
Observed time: 11h03
